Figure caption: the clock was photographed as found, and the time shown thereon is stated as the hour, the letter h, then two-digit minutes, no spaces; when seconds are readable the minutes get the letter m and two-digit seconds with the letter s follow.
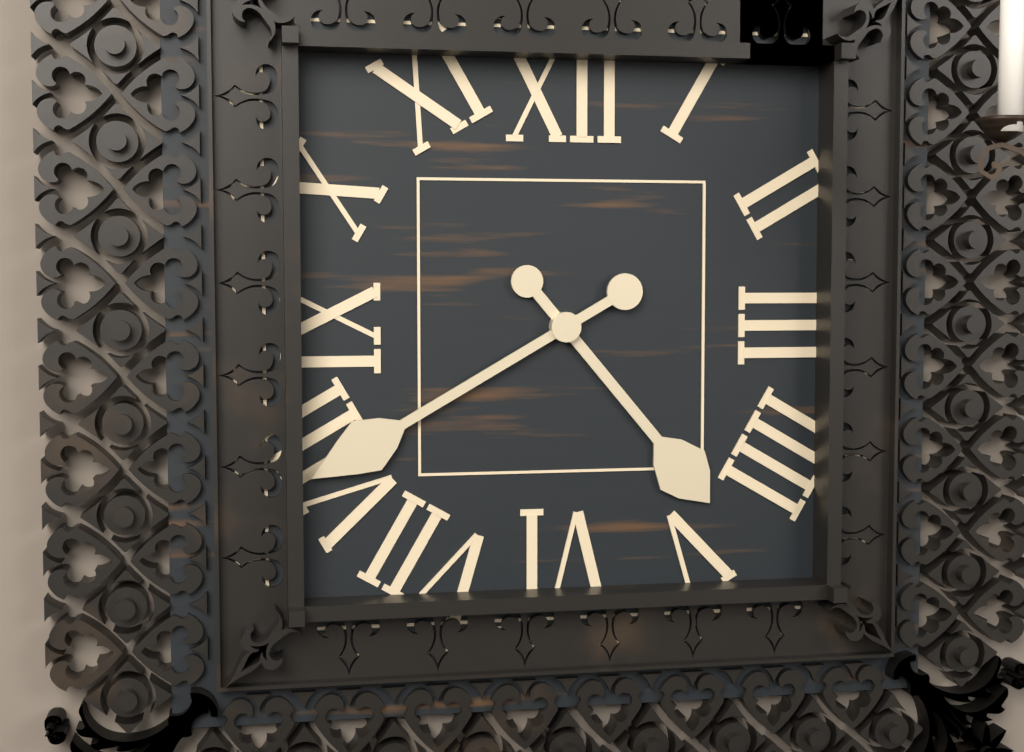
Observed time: 4h40
